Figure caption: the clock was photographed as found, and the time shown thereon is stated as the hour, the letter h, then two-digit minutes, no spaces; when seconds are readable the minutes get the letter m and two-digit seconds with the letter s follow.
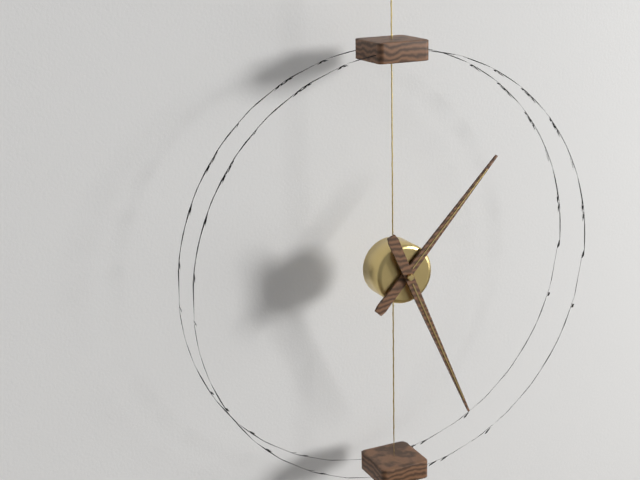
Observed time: 1h26
